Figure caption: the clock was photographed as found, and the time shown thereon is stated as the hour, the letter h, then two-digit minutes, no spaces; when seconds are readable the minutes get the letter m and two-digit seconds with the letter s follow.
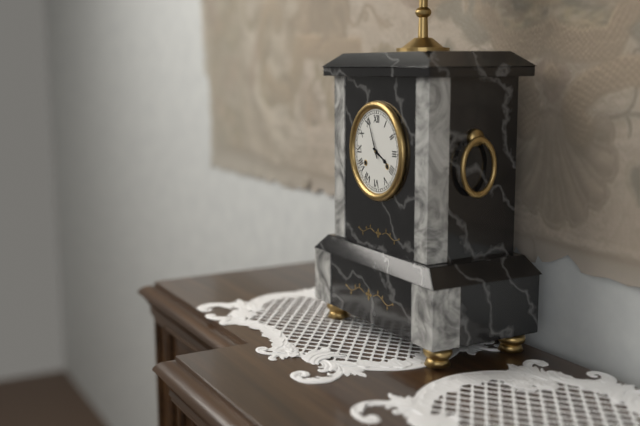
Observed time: 3h56
